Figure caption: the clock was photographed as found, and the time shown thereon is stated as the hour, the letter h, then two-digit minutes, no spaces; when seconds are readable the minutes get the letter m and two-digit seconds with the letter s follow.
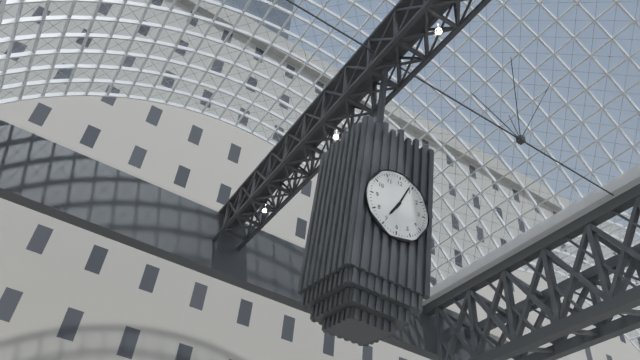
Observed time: 7h04
